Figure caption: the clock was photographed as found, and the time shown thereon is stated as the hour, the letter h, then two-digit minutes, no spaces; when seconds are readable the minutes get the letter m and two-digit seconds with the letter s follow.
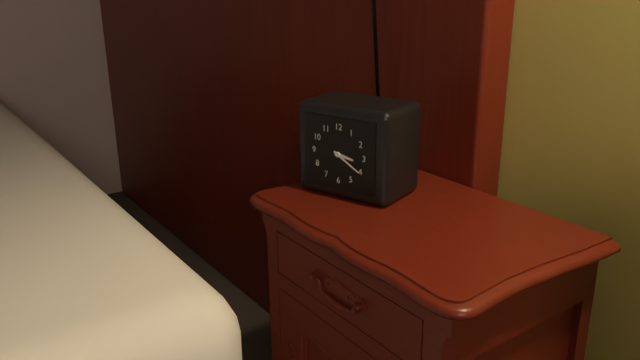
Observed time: 3h20
